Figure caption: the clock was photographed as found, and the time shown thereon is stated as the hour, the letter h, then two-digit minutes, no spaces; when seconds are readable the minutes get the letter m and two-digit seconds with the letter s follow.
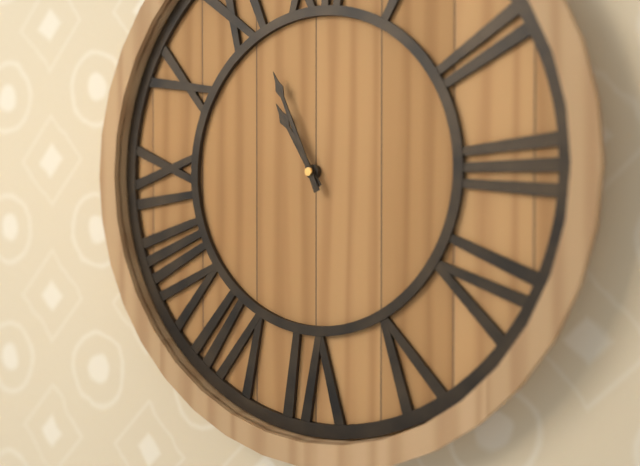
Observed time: 10h56
